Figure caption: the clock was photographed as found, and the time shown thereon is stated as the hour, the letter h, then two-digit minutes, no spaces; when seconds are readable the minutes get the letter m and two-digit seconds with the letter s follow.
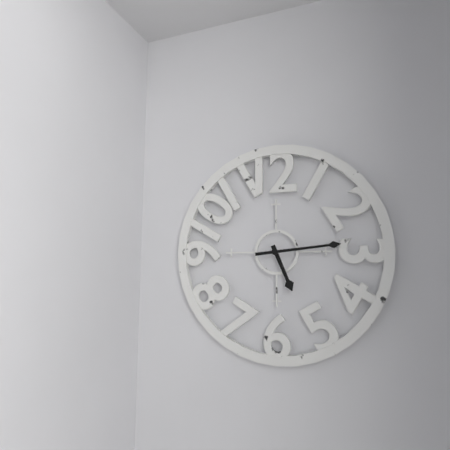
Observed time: 5h14
